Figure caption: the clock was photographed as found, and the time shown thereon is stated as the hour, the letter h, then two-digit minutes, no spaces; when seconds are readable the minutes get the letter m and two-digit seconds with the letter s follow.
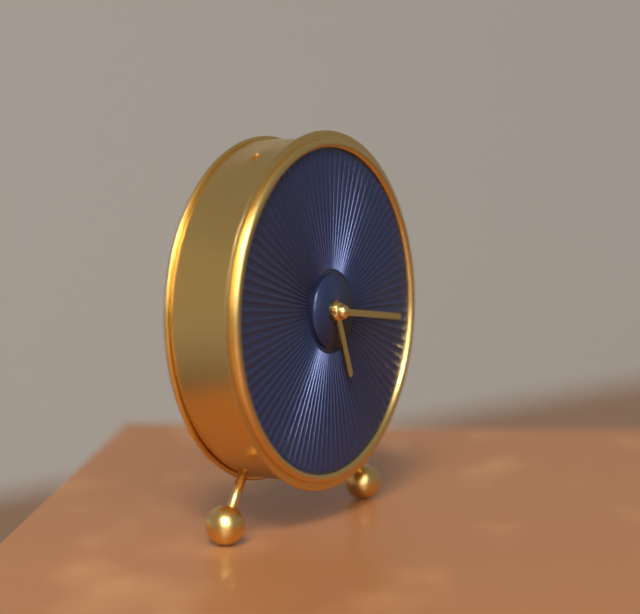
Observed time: 5h16
